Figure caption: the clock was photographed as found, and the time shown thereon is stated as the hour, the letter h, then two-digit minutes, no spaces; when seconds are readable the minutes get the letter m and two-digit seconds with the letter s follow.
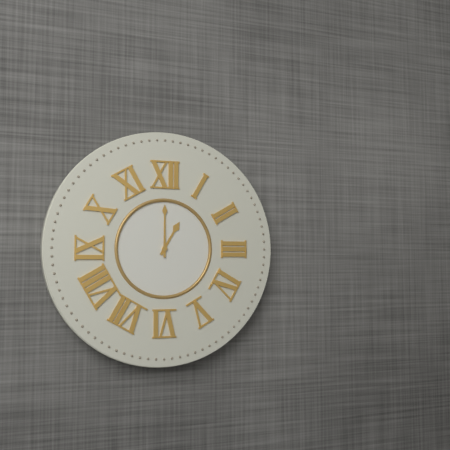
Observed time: 1h00
